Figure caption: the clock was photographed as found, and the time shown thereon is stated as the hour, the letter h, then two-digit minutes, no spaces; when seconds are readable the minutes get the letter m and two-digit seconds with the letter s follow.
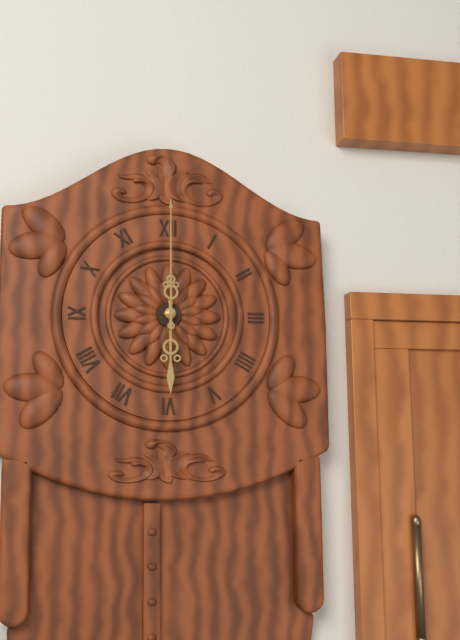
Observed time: 6h00
